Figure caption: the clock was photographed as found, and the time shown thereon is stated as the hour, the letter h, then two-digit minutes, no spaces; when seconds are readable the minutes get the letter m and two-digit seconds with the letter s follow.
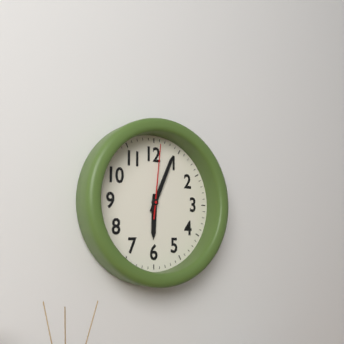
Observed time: 6h04m01s
